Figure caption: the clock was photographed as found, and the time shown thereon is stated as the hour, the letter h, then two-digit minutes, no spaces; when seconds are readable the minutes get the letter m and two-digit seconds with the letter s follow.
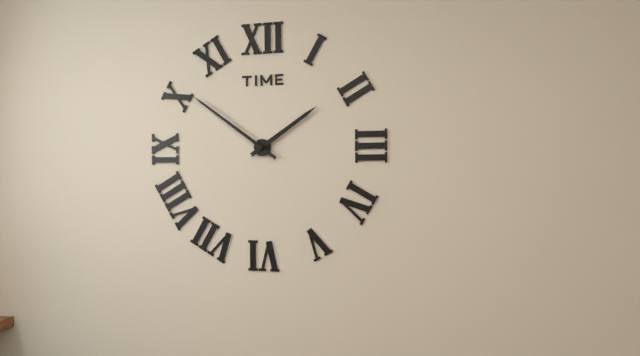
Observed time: 1h51
